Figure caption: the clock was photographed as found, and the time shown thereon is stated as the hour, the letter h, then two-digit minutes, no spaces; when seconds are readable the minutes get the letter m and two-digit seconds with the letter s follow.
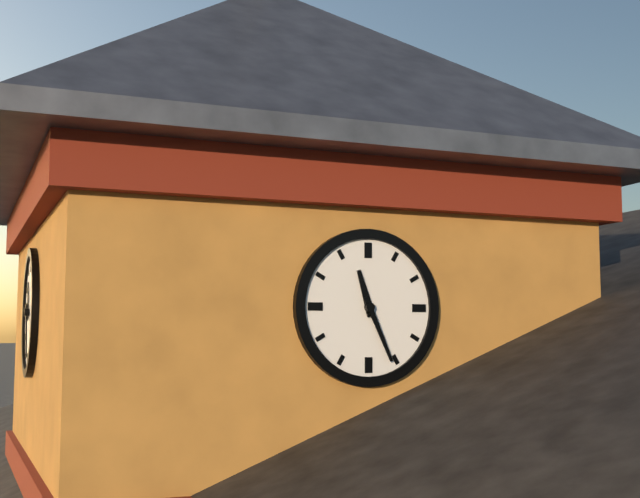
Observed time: 11h26
